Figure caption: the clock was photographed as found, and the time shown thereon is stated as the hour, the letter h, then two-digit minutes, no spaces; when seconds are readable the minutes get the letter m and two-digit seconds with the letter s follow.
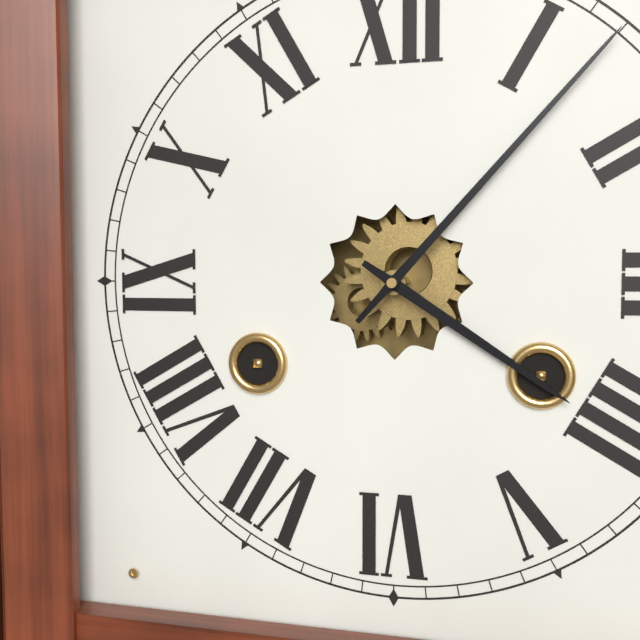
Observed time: 4h07
